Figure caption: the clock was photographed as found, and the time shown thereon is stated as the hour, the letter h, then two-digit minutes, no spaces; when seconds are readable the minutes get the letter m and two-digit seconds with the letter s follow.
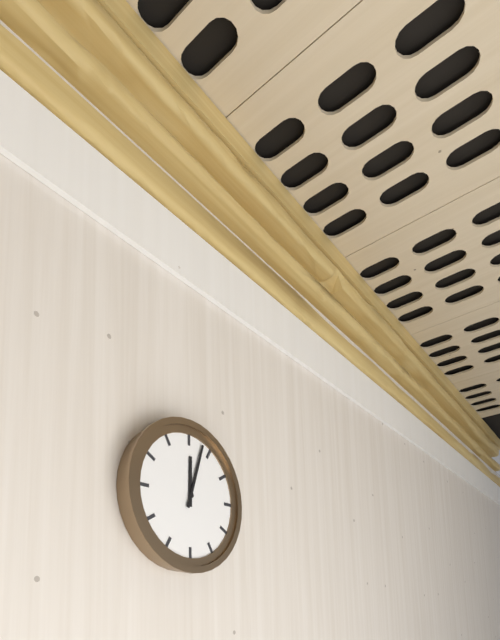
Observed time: 12h03
